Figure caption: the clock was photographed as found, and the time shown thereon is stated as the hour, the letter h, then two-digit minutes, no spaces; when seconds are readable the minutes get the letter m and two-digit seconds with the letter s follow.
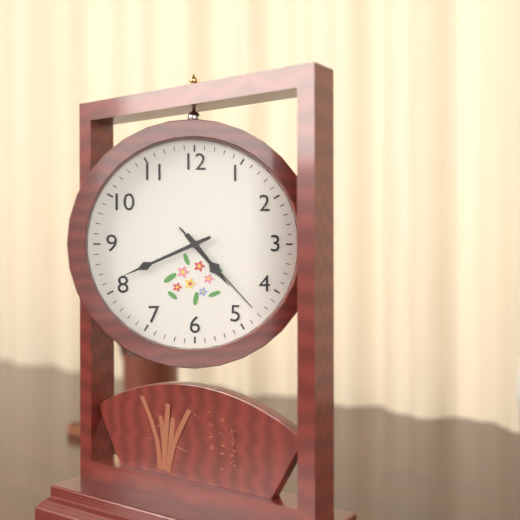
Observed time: 4h41m23s
